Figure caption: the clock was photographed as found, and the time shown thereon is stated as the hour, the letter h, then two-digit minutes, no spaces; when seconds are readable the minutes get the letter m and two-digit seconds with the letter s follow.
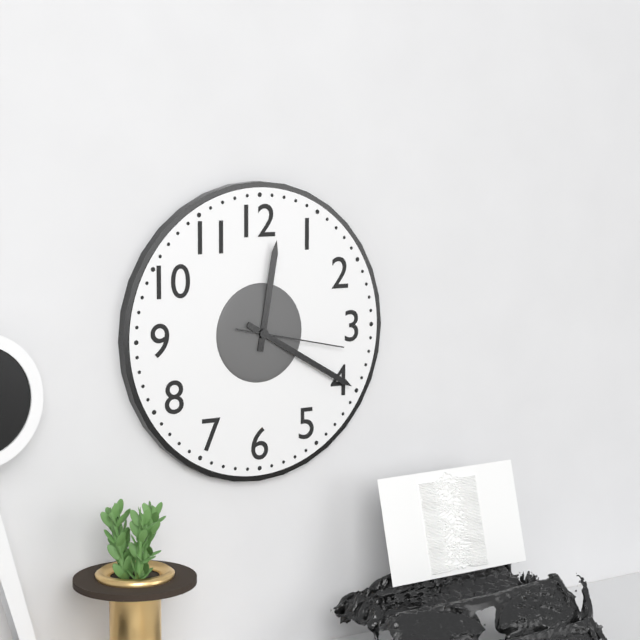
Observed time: 12h20m17s
